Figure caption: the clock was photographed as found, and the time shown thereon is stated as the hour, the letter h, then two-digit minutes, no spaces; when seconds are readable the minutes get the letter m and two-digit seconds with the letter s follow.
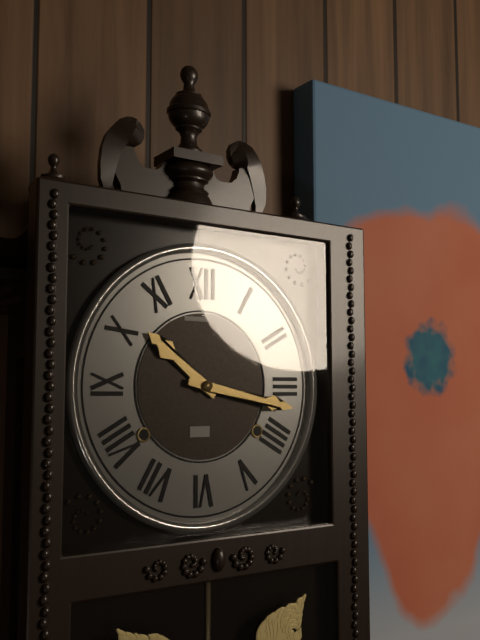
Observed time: 10h17
